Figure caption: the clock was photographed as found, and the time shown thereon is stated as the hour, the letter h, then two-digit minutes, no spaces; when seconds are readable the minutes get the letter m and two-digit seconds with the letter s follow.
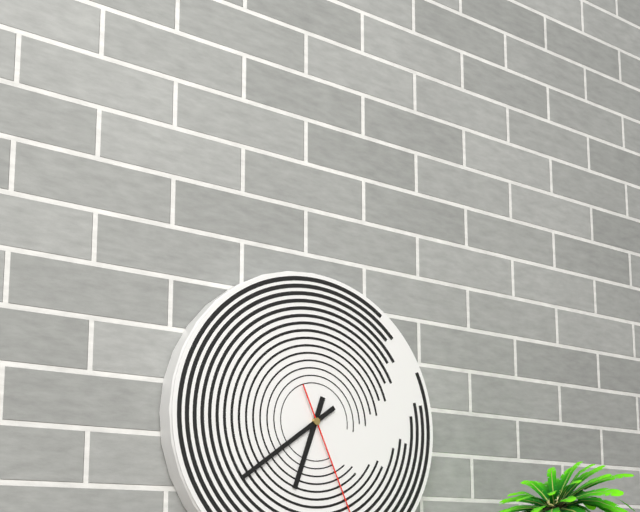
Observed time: 6h39
